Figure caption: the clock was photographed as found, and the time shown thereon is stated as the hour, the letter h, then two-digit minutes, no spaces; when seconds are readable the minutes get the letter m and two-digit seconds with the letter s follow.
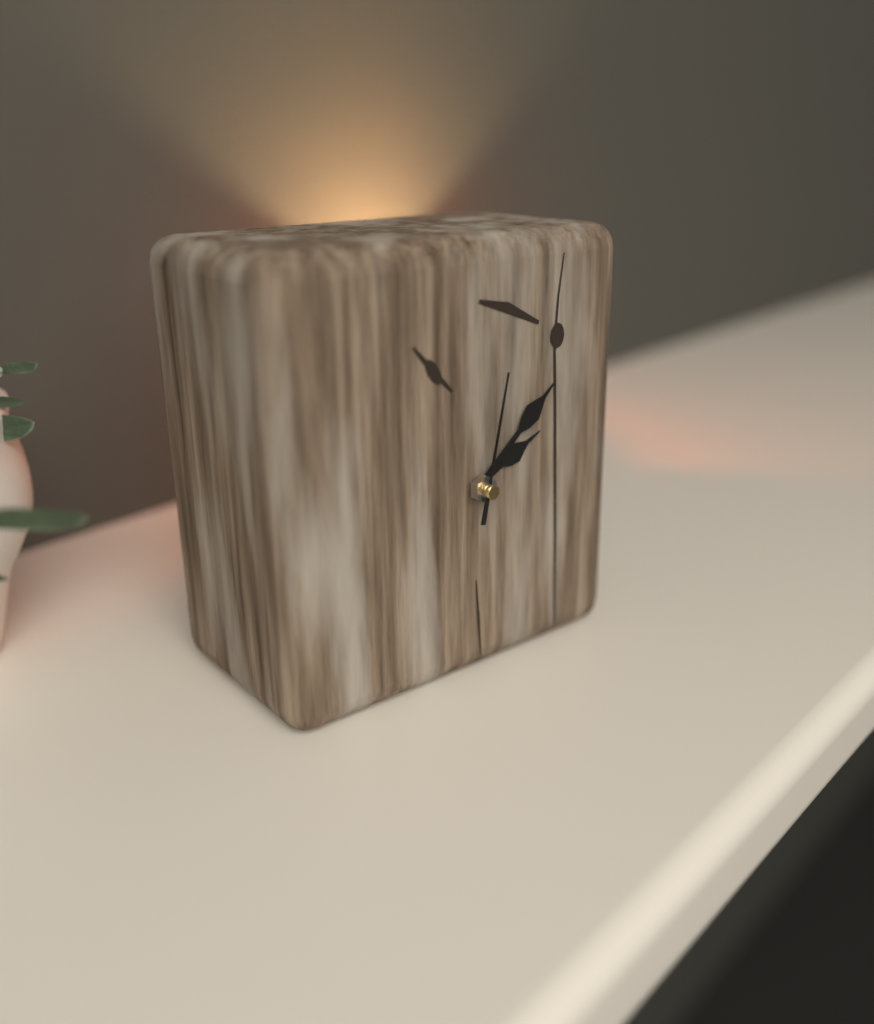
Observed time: 2h08m02s
